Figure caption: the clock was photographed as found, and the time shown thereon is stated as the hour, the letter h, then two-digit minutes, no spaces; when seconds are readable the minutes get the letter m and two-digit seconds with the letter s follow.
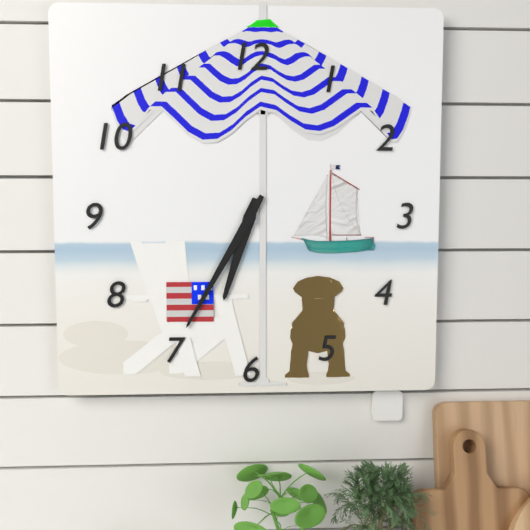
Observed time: 6h35
